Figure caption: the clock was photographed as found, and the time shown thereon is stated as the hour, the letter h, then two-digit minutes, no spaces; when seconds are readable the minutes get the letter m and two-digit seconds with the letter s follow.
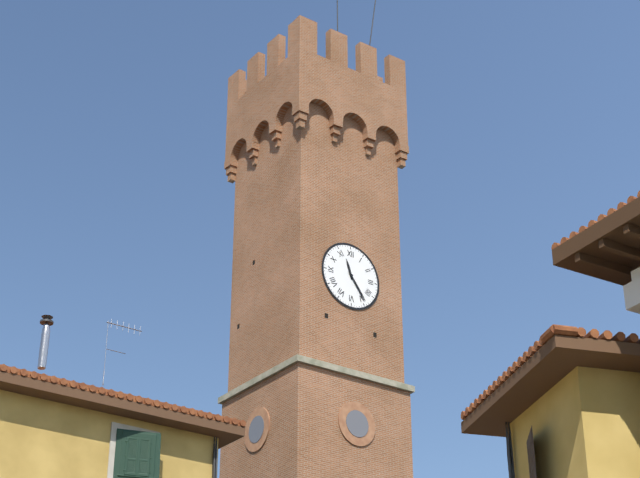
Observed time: 11h24
